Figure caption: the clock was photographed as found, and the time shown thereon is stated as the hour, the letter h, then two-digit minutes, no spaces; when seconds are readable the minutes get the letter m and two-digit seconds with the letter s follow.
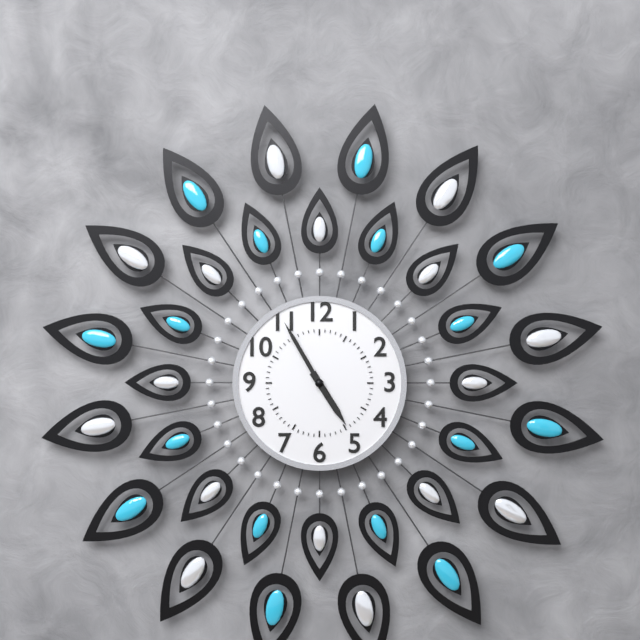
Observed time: 4h55
